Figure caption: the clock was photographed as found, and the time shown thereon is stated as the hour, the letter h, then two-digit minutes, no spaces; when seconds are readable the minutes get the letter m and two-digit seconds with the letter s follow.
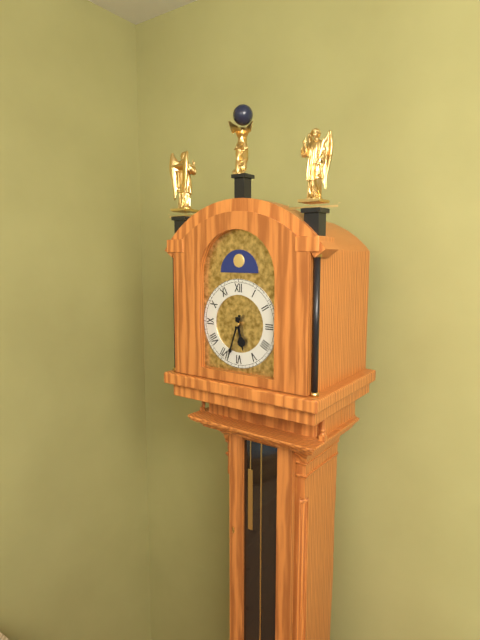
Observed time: 5h33
